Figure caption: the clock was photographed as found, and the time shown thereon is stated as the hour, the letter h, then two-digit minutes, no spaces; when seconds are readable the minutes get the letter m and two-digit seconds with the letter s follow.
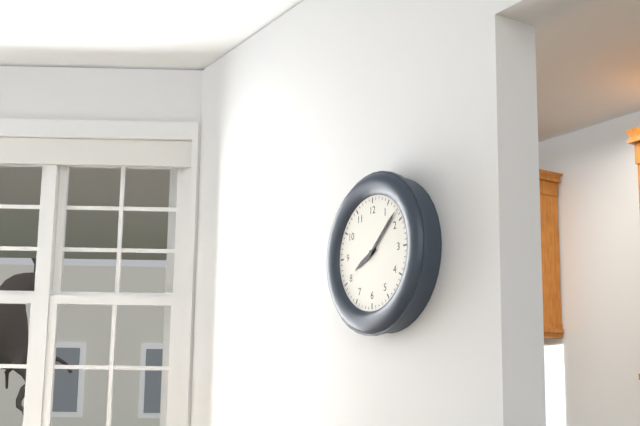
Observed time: 8h08
